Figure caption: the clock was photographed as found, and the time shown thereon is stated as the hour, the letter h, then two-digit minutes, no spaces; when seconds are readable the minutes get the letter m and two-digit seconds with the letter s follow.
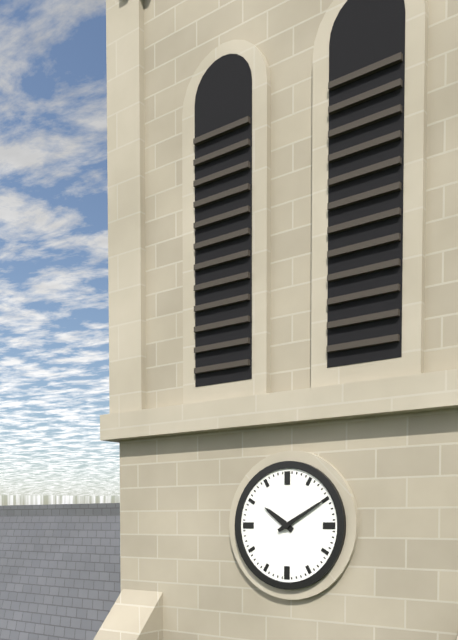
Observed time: 10h10
